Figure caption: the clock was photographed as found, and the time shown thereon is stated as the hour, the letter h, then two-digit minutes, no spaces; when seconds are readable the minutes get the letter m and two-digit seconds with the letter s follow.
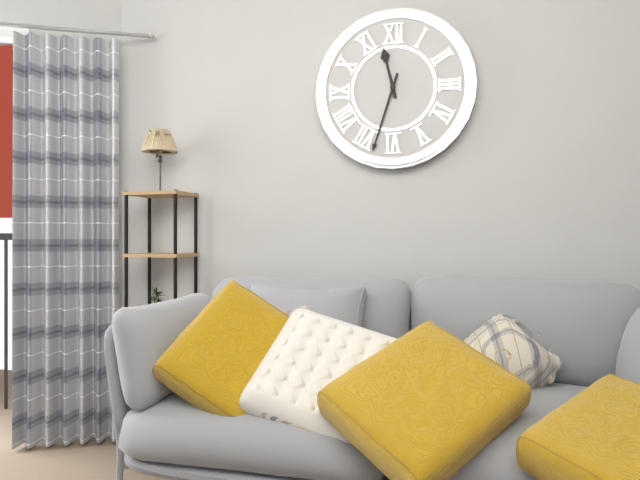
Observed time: 11h33
